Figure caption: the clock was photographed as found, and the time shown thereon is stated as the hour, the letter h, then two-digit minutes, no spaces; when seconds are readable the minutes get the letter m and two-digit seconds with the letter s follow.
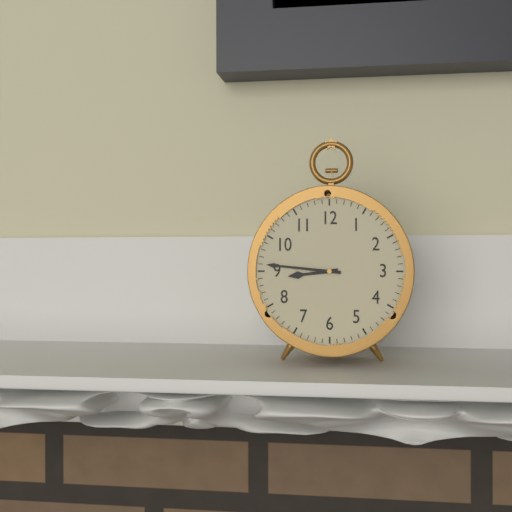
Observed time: 8h46
